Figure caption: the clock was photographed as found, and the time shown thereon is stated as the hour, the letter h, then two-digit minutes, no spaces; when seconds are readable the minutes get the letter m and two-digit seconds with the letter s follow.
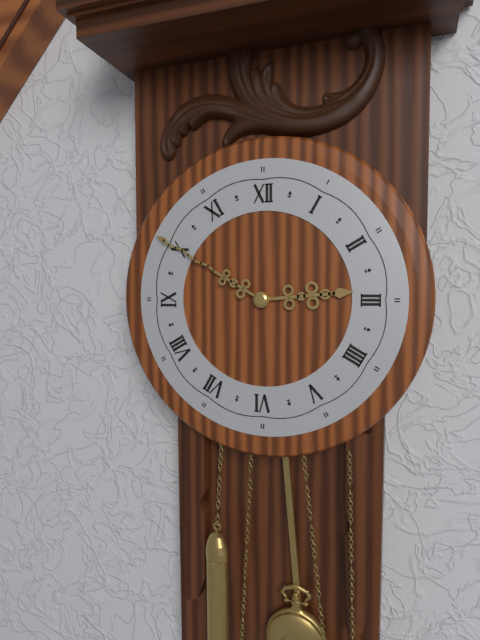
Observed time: 2h50
